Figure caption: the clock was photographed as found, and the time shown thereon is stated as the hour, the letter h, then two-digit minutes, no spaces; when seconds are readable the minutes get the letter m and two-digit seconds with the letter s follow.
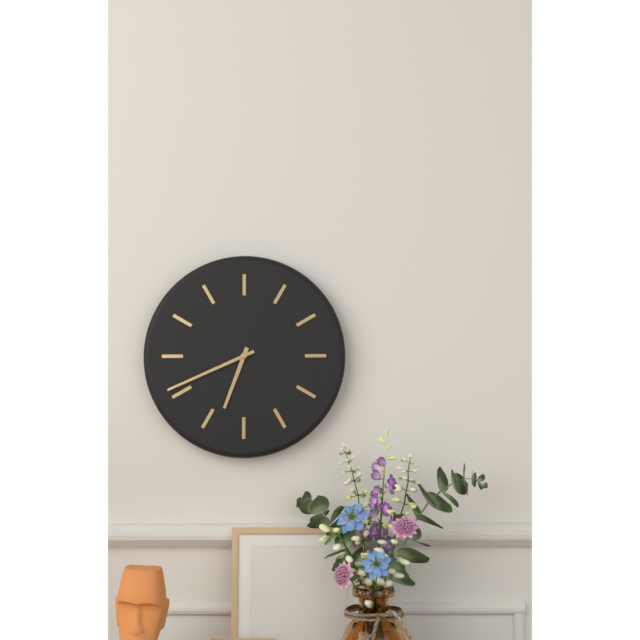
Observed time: 6h41
